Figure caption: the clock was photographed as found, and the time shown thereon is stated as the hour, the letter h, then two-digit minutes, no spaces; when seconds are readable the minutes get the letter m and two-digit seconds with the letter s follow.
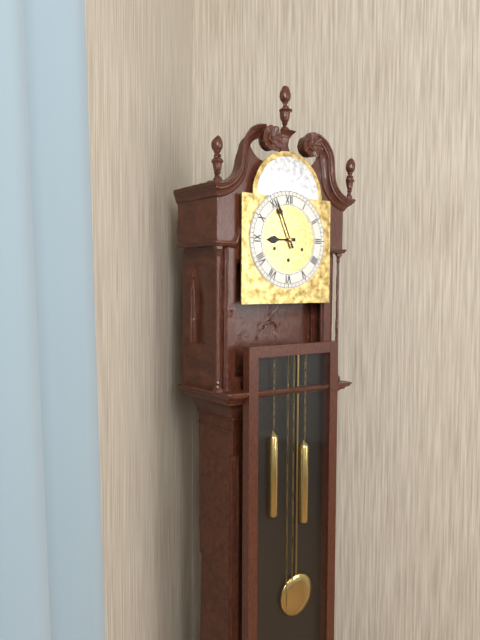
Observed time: 8h56
